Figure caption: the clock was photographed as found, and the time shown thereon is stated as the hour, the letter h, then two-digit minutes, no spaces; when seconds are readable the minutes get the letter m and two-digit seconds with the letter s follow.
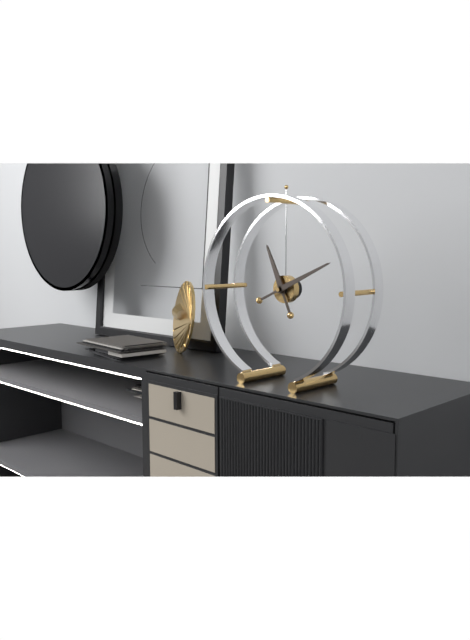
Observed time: 11h11
